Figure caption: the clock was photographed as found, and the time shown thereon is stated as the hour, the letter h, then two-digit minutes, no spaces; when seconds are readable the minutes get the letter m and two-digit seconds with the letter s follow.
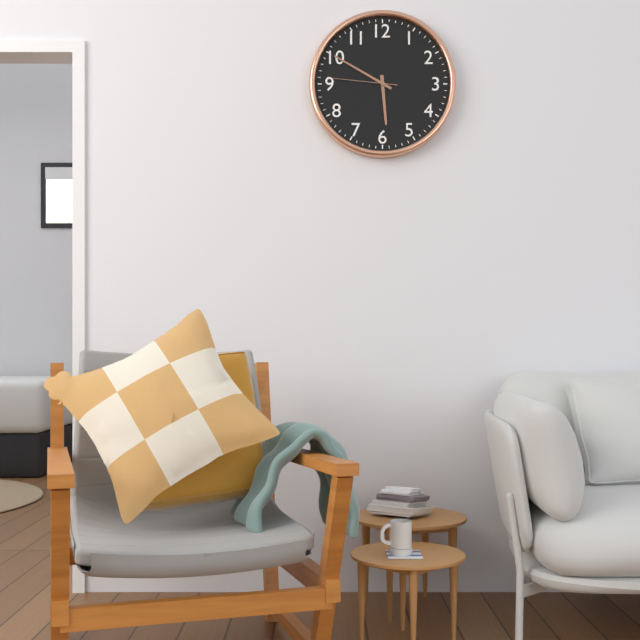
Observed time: 5h50m46s
